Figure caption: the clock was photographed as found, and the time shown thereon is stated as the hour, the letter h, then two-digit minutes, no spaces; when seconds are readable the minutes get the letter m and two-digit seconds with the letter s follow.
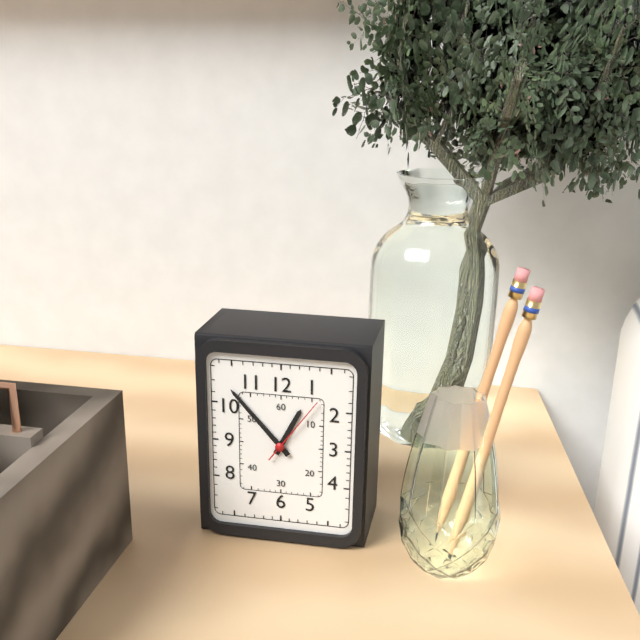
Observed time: 12h53m06s
